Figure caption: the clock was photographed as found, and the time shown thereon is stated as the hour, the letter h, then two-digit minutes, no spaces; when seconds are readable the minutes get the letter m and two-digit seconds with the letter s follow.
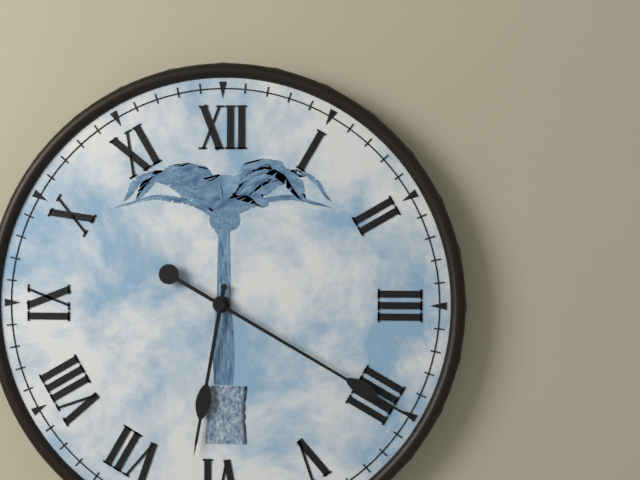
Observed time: 6h20
